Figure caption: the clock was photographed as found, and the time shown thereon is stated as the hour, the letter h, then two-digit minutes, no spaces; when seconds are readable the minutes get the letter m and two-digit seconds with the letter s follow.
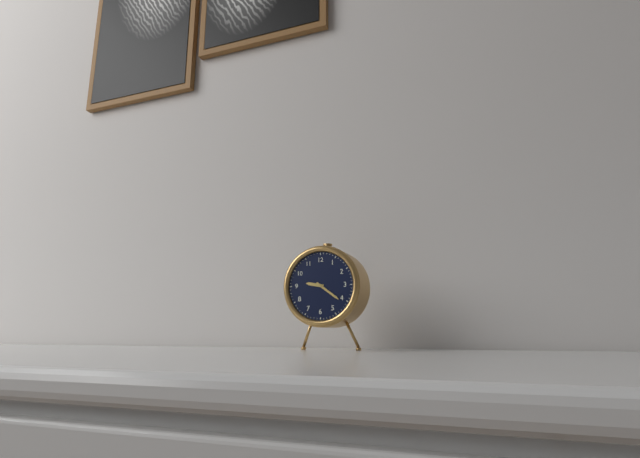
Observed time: 9h21
